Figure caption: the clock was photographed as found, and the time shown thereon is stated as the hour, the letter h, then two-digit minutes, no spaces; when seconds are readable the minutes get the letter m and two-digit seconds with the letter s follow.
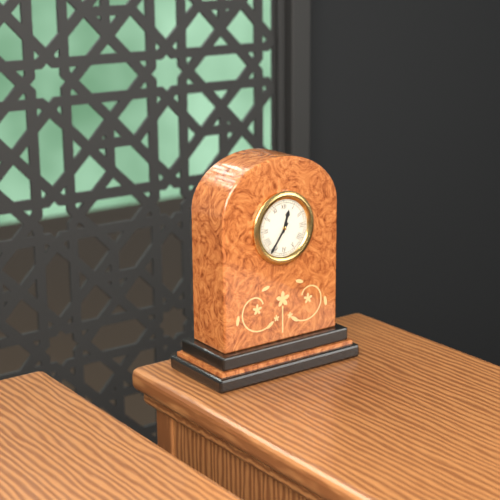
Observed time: 12h36
